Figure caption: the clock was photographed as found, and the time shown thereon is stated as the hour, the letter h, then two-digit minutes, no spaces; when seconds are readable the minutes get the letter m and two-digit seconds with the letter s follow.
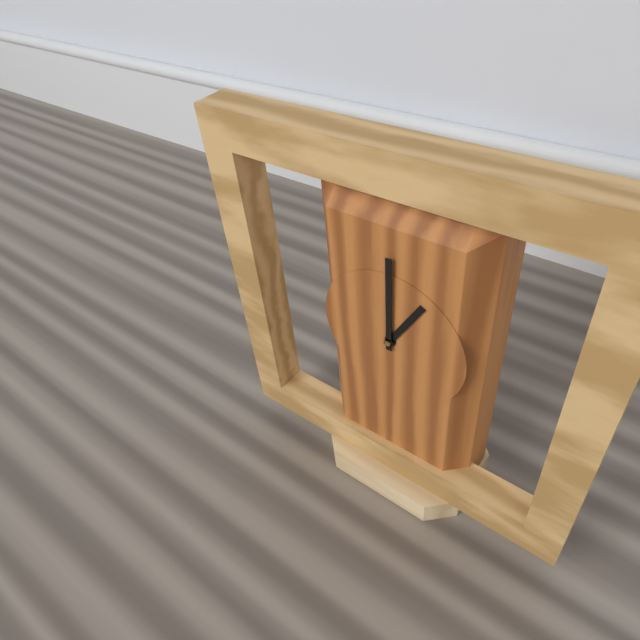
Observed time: 1h00
